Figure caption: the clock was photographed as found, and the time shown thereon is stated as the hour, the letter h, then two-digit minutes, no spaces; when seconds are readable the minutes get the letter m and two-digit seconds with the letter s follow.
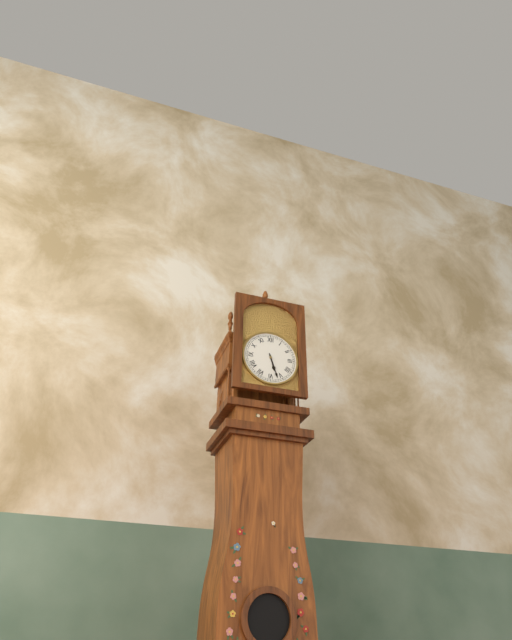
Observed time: 5h27
